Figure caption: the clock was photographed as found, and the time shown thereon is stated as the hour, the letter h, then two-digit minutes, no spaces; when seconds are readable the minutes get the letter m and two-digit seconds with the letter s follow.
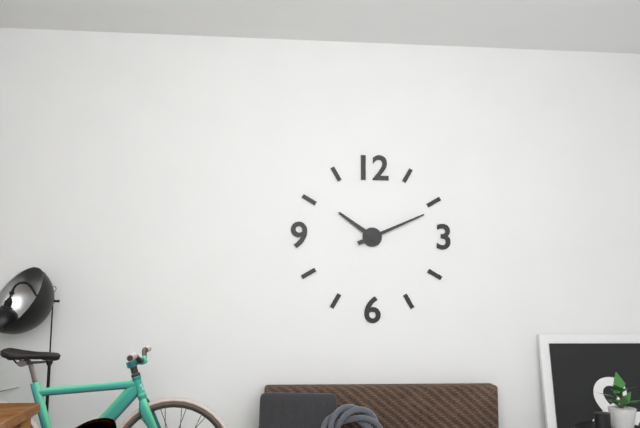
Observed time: 10h11
